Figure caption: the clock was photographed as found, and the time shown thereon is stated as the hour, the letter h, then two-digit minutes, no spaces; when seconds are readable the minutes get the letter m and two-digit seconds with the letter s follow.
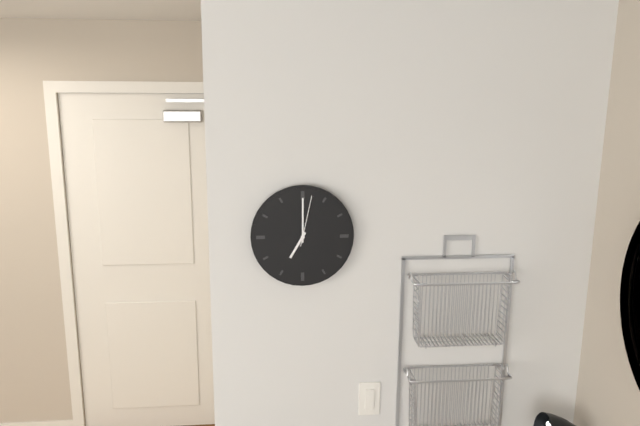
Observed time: 7h00m02s
